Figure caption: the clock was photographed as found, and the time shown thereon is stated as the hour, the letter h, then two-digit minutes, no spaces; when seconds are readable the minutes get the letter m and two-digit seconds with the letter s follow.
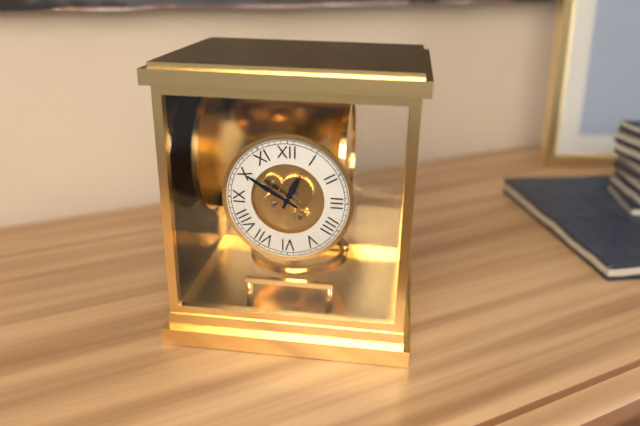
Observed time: 12h50
